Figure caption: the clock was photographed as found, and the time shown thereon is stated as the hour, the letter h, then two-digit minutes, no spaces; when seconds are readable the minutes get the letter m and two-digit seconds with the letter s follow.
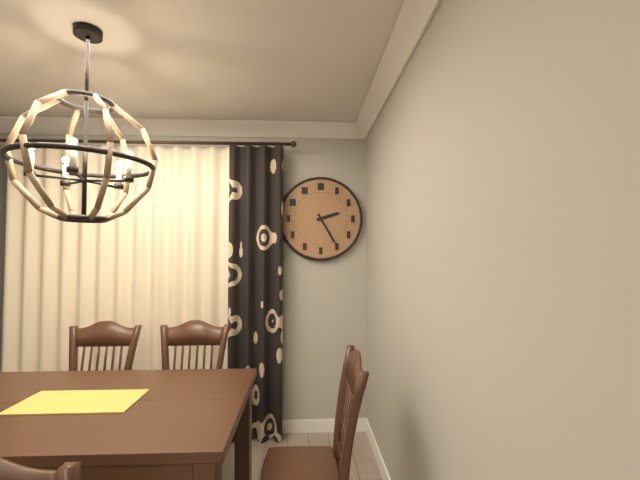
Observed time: 2h25
